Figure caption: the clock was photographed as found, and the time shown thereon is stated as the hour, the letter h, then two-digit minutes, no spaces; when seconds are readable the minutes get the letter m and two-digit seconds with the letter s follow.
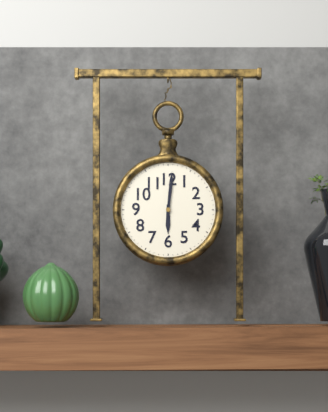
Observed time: 6h01
